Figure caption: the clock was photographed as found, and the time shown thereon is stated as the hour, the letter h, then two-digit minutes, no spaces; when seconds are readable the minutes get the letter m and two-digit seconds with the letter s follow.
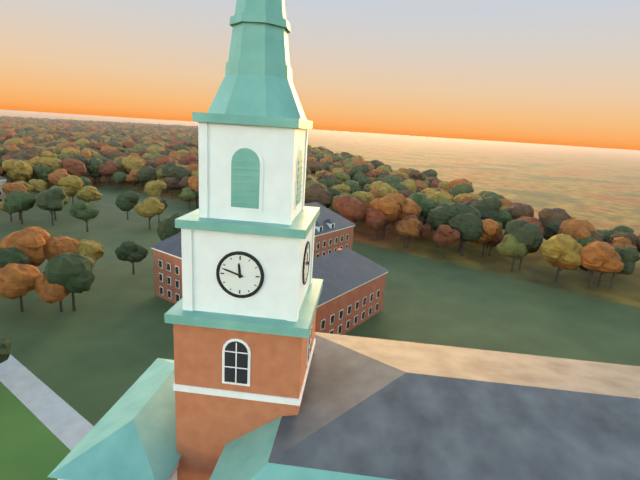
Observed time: 11h48
